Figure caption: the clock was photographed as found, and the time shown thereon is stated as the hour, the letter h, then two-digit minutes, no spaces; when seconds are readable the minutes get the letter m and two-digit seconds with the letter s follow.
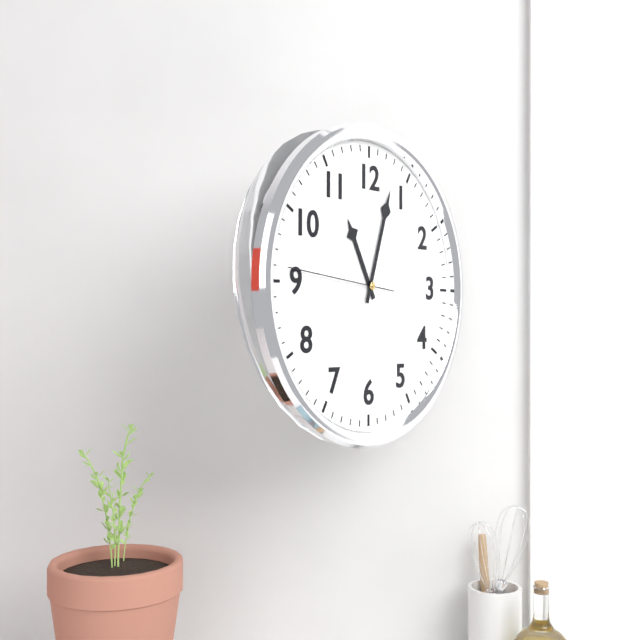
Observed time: 11h03m46s
